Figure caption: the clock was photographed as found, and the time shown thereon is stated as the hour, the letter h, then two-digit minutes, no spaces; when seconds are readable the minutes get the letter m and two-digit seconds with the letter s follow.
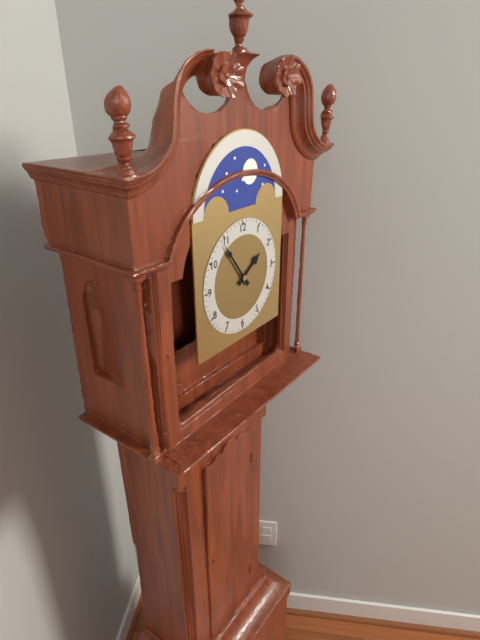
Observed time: 1h54
